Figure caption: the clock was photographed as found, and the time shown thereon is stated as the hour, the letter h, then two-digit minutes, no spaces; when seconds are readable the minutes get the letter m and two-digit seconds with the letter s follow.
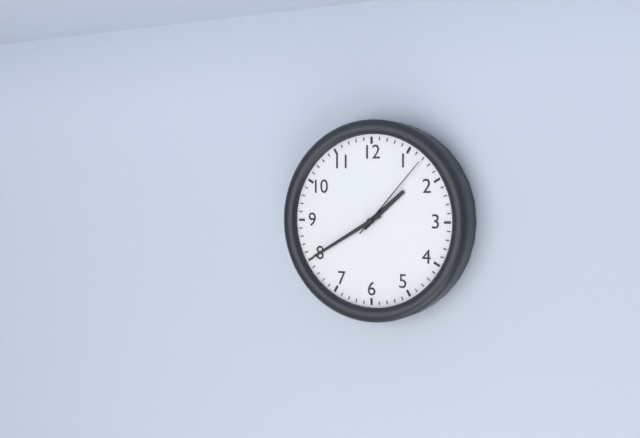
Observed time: 1h40m07s
